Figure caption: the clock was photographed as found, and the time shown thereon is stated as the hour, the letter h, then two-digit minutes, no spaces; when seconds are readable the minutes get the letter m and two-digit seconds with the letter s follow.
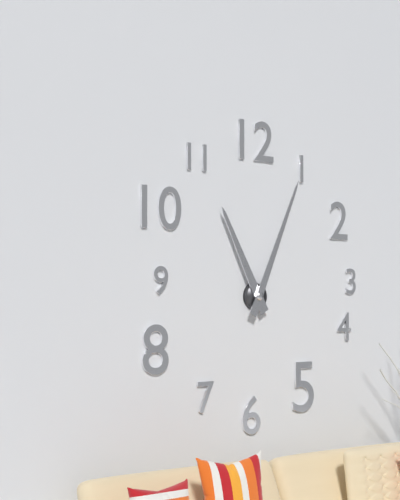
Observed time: 11h04
